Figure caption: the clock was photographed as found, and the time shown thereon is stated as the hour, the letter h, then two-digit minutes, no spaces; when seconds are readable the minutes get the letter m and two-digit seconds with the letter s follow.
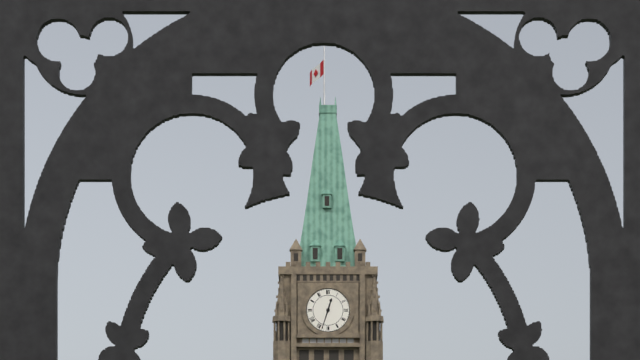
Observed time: 12h33
